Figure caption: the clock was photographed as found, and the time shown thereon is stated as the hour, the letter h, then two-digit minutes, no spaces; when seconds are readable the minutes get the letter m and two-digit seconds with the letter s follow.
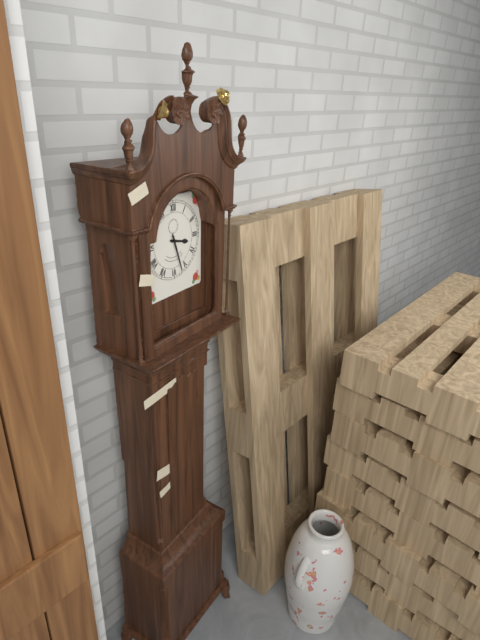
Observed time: 3h27
